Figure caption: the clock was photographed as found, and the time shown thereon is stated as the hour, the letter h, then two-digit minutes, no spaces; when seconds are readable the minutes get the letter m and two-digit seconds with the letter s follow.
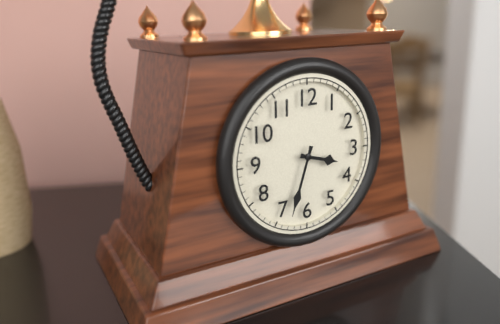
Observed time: 3h33
